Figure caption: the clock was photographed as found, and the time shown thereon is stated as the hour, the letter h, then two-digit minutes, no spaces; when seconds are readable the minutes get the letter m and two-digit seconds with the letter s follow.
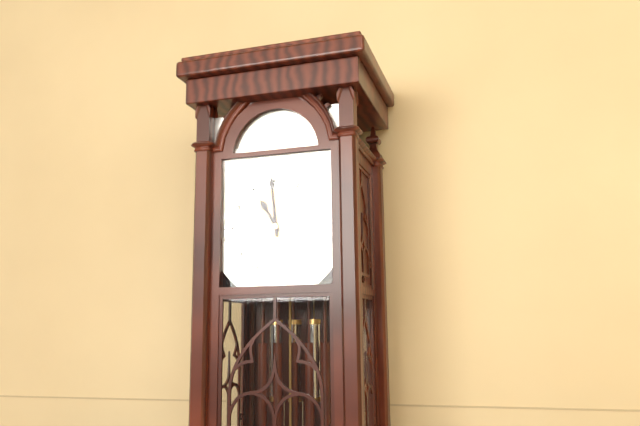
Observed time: 10h59
